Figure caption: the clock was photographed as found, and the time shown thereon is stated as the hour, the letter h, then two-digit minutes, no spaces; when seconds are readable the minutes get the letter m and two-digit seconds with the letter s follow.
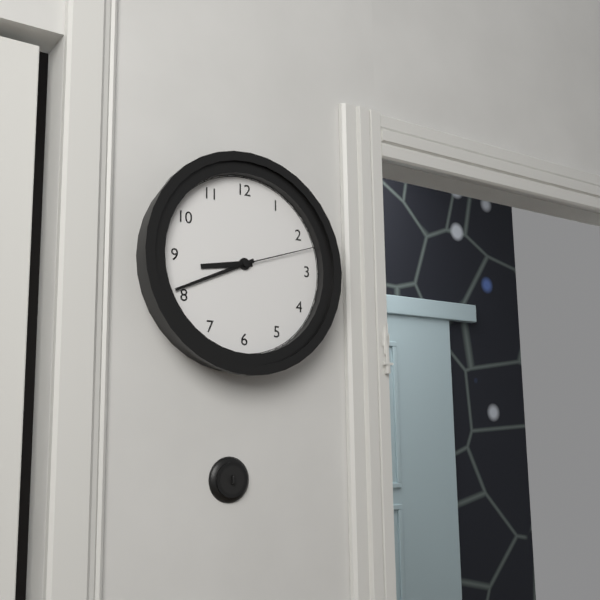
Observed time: 8h41m12s
